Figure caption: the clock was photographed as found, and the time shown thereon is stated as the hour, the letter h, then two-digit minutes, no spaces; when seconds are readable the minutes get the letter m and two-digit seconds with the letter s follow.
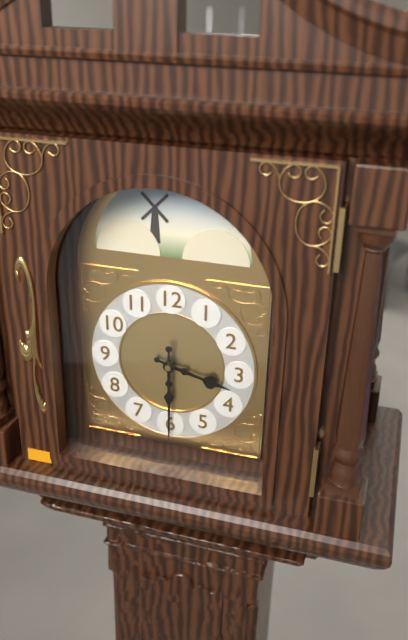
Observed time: 3h30
